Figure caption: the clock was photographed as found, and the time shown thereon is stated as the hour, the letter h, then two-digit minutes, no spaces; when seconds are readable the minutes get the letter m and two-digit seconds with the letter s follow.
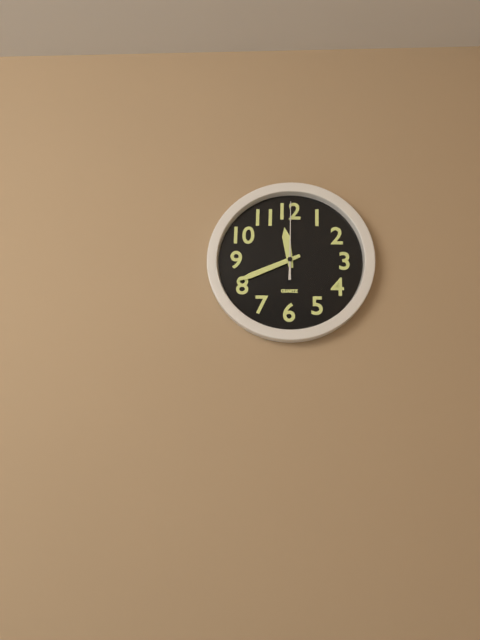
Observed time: 11h41m00s
